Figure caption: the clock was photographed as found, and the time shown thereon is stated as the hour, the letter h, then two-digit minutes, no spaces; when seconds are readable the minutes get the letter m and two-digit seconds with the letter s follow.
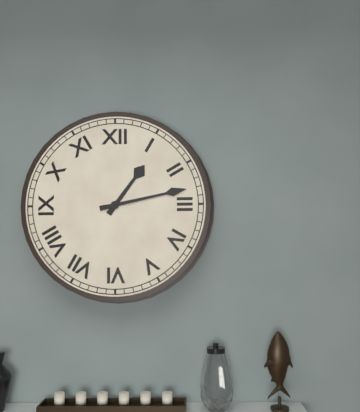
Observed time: 1h13
